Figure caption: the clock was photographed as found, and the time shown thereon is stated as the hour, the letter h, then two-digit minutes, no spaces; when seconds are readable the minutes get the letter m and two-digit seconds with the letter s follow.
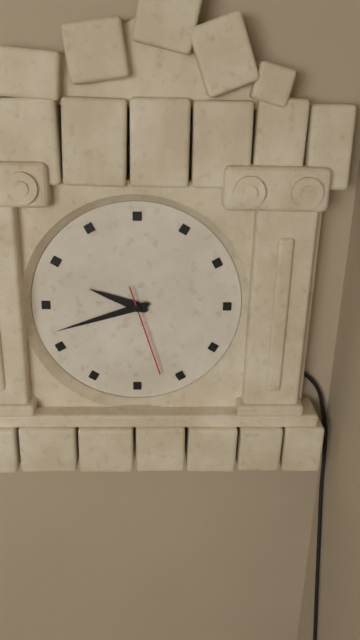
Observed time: 9h42m27s
